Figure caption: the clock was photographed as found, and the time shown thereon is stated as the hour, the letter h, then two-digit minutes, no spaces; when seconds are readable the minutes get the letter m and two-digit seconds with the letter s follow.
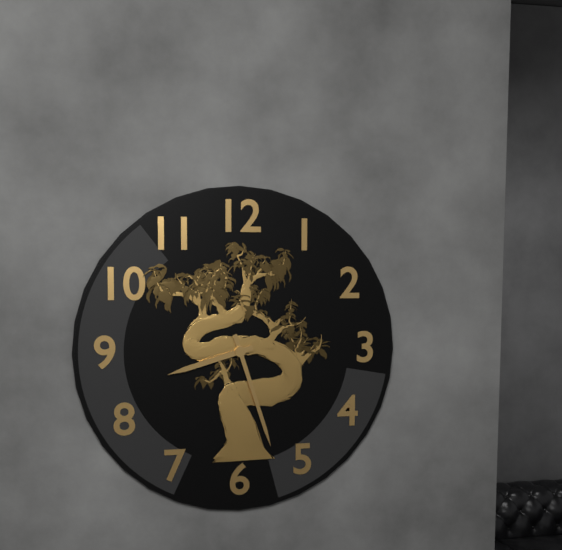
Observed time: 8h27
